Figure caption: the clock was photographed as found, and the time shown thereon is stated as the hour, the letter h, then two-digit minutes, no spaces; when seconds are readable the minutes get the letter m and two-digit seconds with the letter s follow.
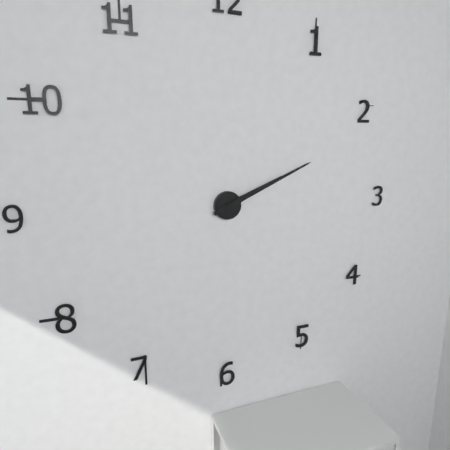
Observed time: 2h11
